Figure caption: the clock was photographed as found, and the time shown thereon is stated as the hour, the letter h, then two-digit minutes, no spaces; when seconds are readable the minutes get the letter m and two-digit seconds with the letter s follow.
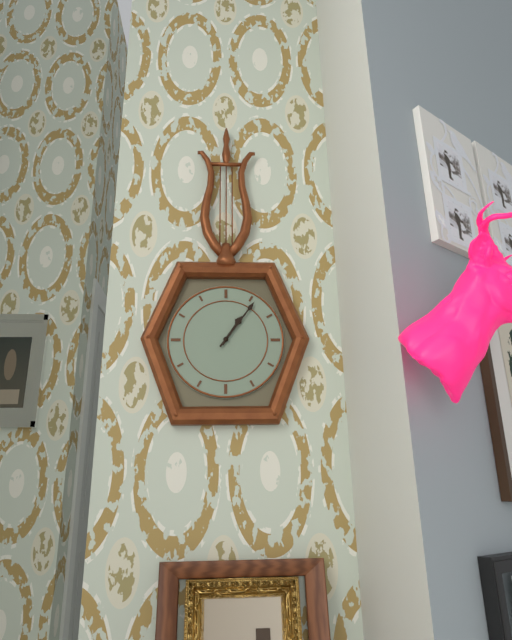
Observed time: 1h06
